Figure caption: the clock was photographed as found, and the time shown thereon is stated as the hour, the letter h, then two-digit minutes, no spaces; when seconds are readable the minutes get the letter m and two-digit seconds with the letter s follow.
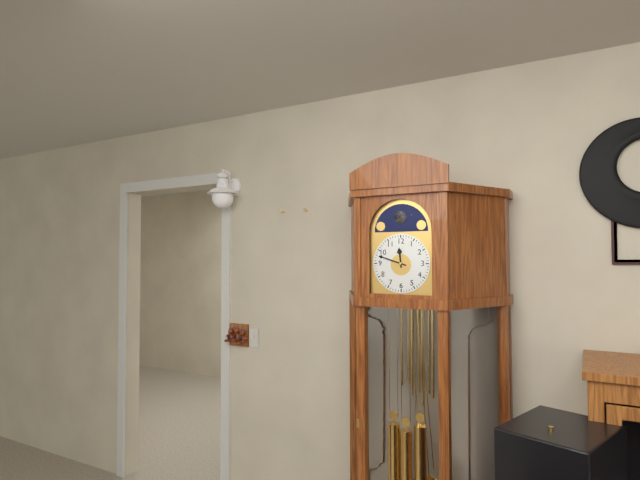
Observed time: 11h48
